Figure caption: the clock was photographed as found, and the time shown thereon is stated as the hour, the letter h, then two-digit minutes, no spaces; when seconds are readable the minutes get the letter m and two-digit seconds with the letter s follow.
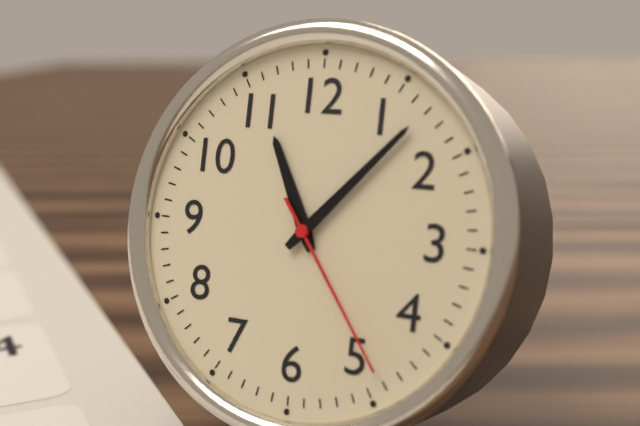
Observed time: 11h07m24s
